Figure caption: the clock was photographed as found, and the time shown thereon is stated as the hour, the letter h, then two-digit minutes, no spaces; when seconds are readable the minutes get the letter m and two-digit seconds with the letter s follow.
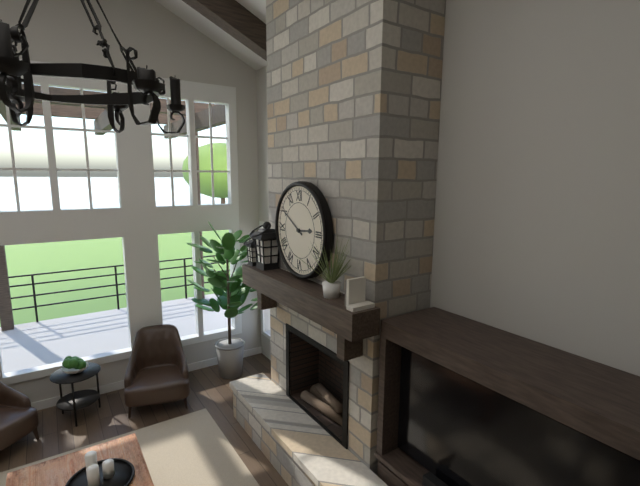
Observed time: 2h50
